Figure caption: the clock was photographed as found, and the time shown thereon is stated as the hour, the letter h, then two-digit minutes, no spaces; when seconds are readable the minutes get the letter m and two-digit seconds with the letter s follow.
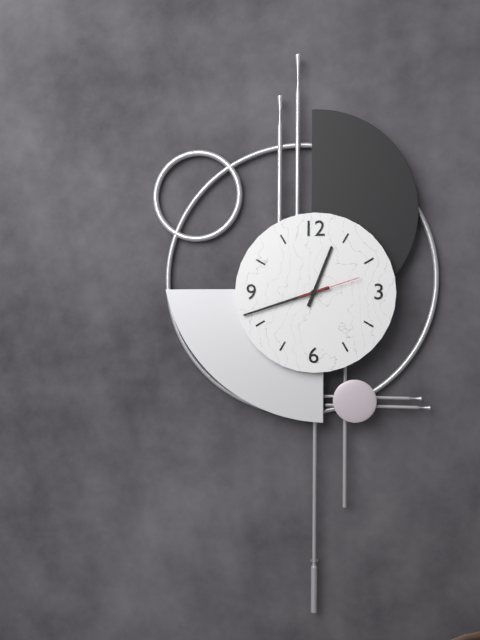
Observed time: 12h42m12s
